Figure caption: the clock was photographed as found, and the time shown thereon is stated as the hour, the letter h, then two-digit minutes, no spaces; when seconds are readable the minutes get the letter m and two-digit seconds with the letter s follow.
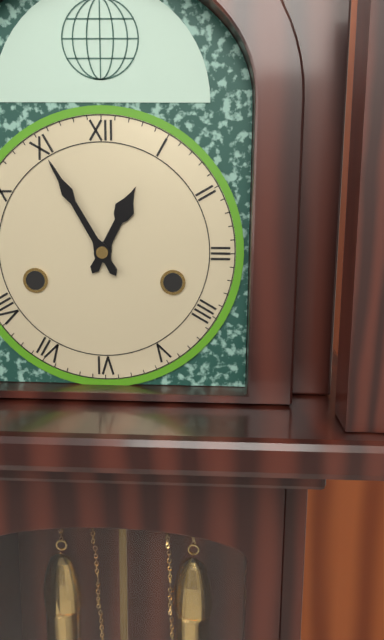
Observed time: 12h55
